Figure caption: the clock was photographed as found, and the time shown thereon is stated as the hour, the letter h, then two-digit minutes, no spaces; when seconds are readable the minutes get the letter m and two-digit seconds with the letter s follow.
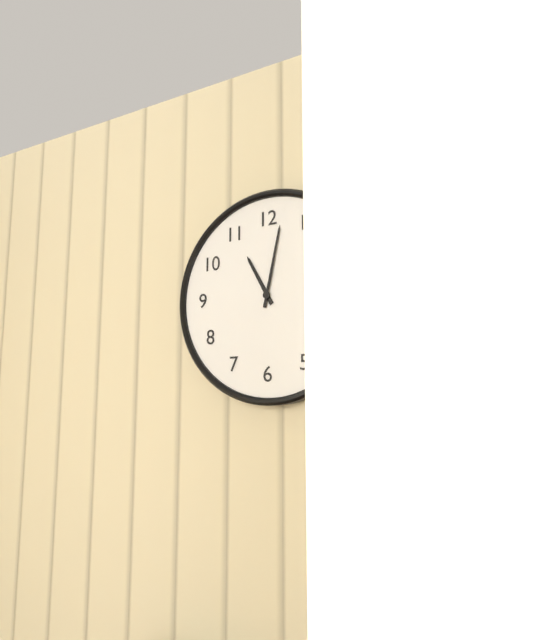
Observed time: 11h02
